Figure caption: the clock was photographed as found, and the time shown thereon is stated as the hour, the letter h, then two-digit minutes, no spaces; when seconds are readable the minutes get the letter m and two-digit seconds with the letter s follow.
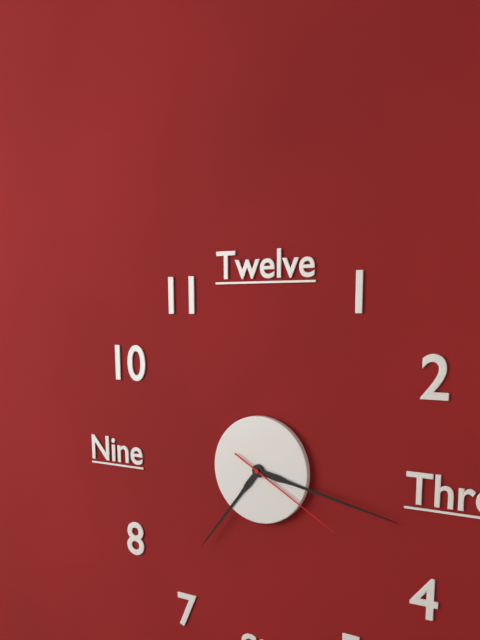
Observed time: 7h17m20s
